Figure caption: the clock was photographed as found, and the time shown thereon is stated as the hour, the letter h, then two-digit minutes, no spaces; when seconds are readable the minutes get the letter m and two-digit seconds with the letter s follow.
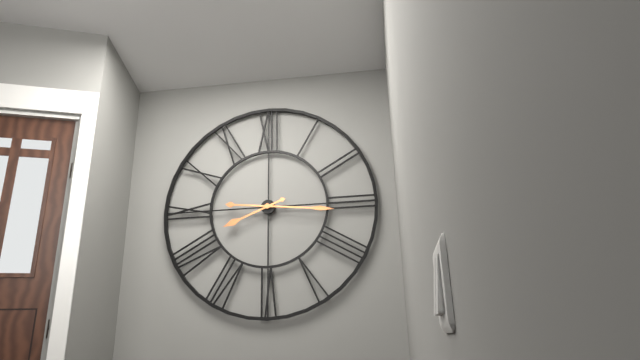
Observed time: 8h16
